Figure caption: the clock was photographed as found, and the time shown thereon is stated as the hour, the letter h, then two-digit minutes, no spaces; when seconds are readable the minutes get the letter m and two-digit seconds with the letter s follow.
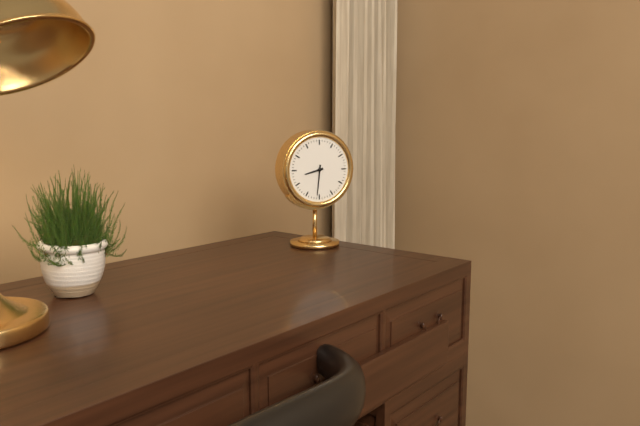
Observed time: 8h31
